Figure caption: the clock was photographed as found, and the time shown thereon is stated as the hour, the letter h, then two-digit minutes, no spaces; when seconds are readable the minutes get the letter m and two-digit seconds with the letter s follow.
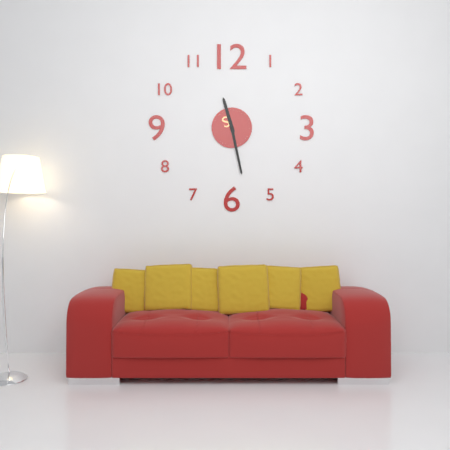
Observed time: 11h28
